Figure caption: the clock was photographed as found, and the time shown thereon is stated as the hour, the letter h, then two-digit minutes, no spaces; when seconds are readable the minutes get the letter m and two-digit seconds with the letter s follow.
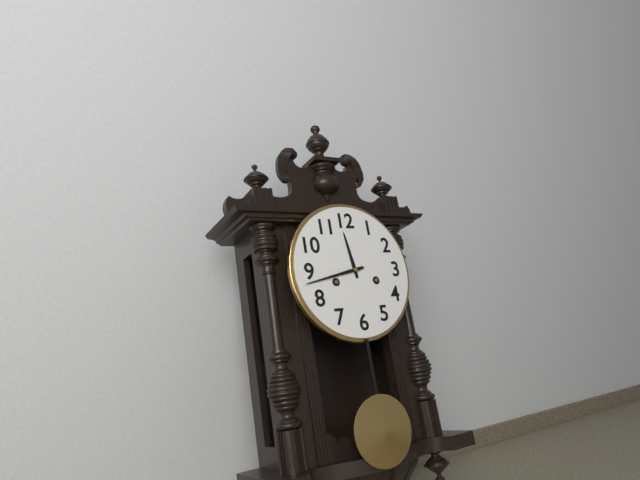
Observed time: 11h43
